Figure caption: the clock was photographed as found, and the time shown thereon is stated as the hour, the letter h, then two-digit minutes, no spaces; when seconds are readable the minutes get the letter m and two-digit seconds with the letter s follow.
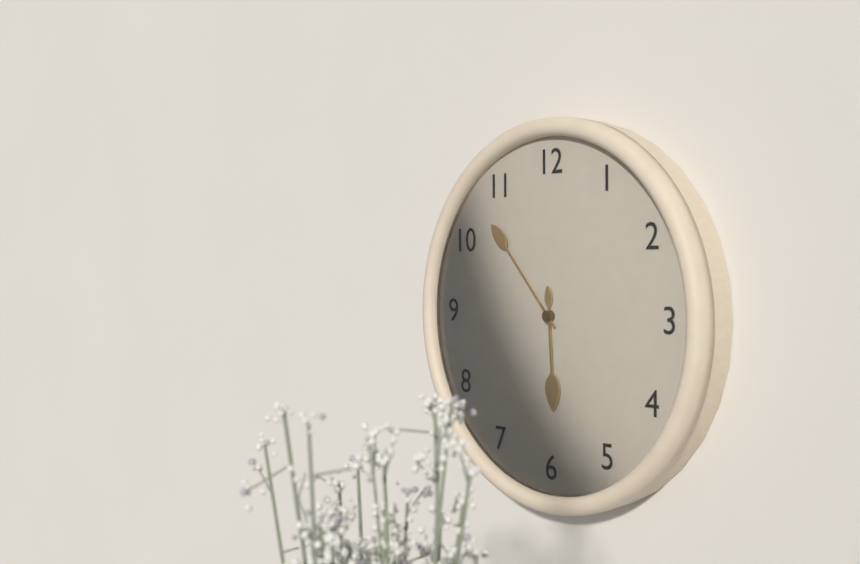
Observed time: 5h53
